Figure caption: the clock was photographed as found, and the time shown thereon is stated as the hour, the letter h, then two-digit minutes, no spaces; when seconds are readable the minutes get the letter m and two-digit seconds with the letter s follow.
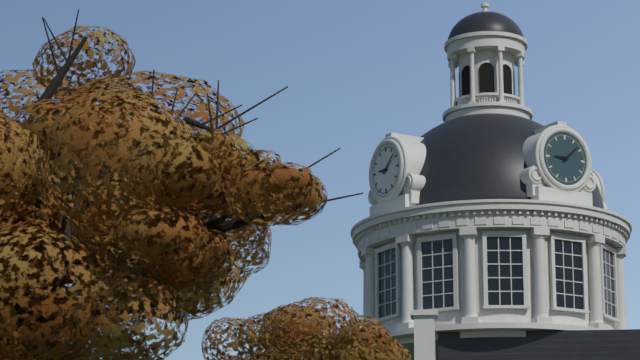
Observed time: 9h08
